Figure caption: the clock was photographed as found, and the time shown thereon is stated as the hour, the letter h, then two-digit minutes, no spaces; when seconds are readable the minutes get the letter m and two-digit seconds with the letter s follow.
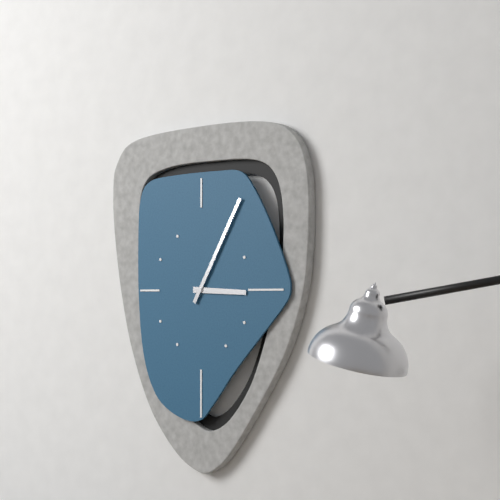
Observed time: 3h05
